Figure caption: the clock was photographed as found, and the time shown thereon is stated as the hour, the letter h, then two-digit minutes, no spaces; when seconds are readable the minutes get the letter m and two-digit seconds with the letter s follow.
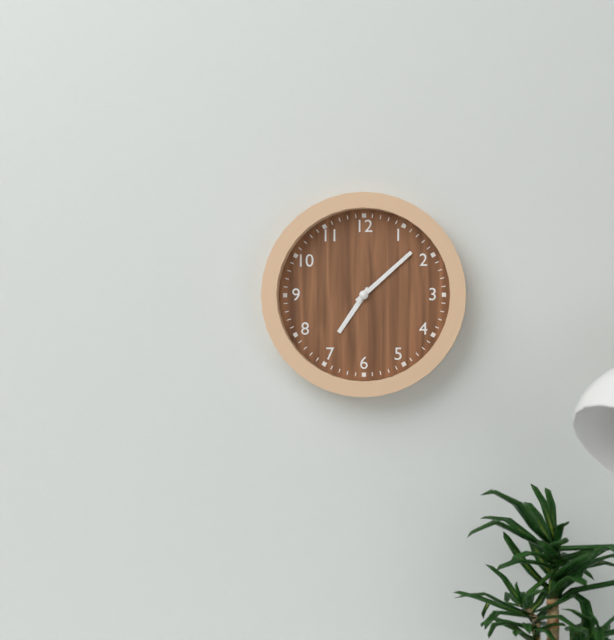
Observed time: 7h08
